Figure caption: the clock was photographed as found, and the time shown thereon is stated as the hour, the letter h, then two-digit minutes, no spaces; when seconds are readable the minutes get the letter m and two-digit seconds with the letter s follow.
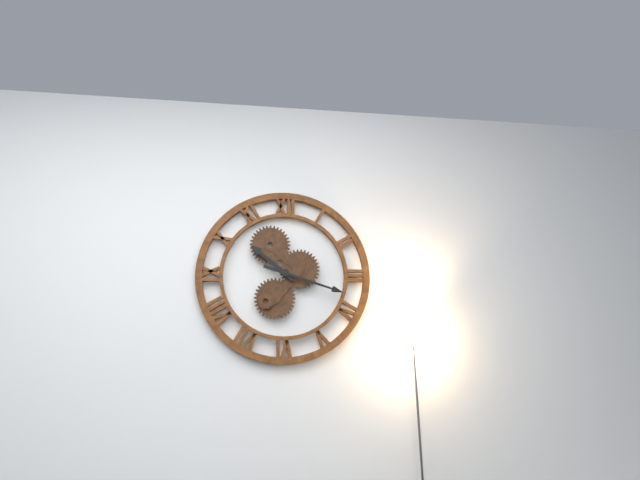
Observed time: 10h18
